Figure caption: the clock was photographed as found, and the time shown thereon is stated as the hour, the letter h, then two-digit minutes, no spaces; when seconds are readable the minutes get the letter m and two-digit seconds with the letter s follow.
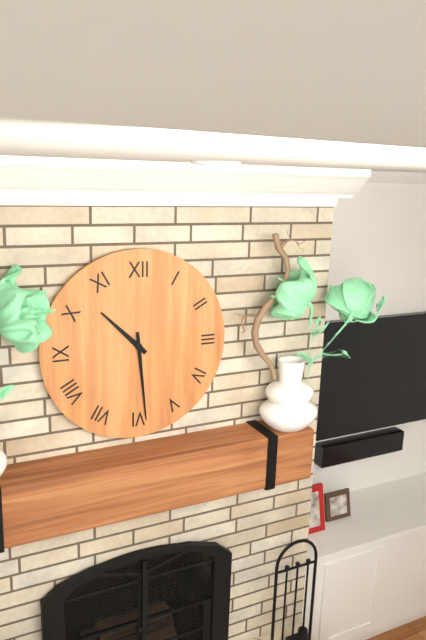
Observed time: 10h29
